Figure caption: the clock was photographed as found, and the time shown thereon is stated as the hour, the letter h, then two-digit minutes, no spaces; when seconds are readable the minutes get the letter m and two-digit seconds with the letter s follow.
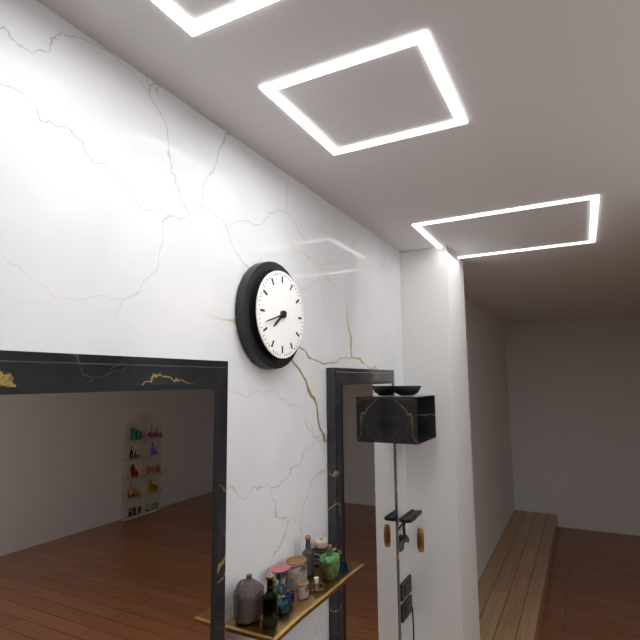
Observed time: 7h42
